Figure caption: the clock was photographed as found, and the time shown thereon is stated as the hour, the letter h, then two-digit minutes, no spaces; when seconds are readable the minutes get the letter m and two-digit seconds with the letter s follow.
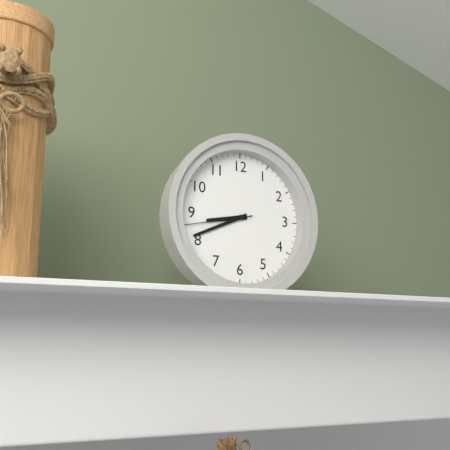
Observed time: 8h41m43s
